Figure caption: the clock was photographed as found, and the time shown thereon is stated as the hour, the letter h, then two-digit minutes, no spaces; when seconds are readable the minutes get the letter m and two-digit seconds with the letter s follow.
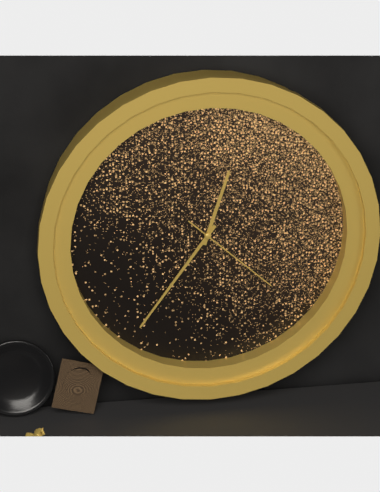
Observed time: 12h36m22s
